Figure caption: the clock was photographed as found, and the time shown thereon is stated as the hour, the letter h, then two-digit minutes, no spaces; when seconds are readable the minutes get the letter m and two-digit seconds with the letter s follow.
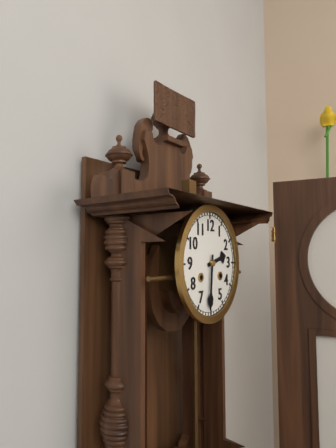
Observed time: 2h31
